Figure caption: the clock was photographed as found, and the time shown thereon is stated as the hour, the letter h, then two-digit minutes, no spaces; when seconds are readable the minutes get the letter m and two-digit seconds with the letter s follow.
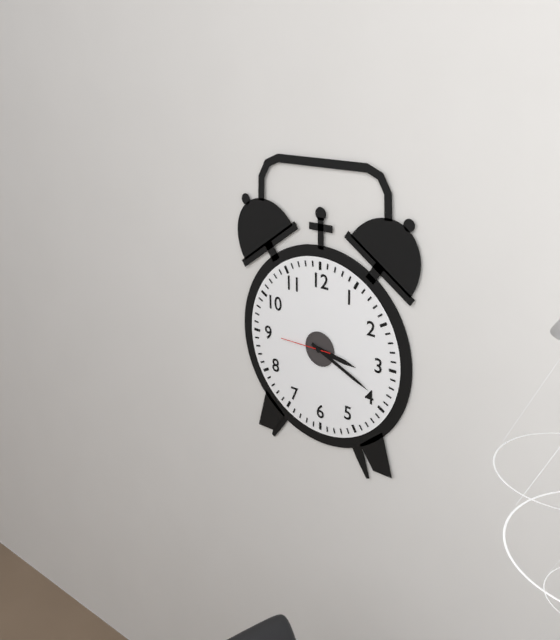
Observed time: 3h19
